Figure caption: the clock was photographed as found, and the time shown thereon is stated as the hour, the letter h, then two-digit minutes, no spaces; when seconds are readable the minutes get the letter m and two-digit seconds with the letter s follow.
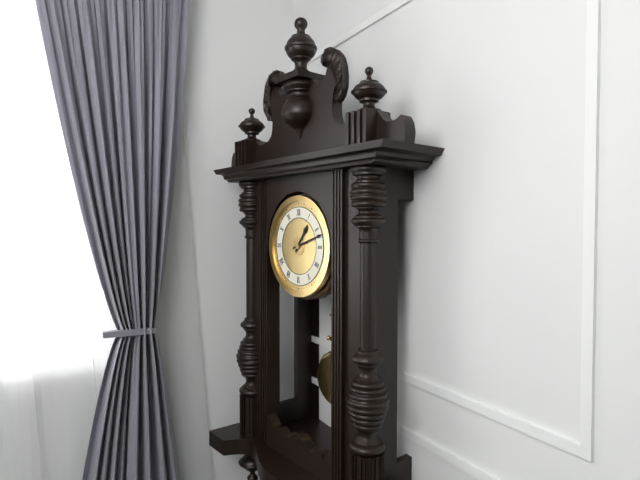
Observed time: 1h12
